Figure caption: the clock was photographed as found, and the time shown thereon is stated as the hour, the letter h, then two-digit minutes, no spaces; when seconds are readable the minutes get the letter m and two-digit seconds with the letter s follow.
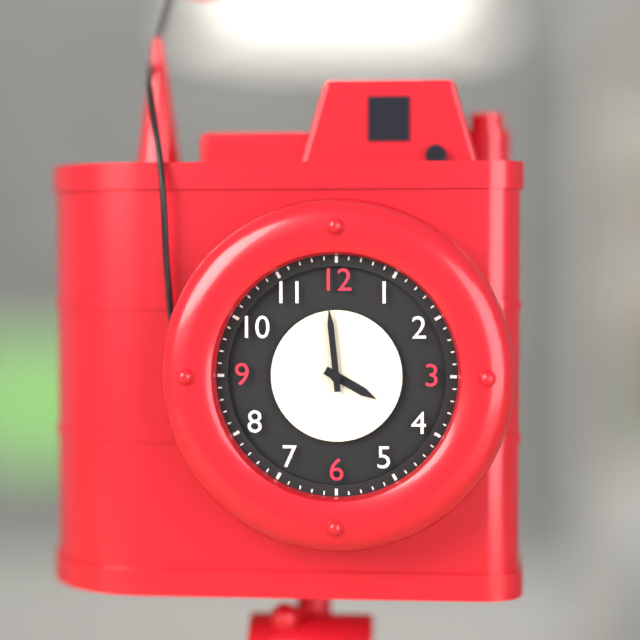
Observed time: 3h59
